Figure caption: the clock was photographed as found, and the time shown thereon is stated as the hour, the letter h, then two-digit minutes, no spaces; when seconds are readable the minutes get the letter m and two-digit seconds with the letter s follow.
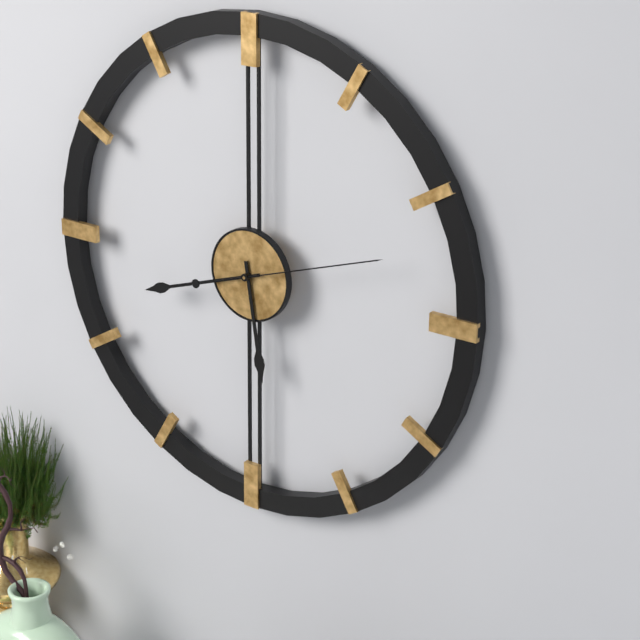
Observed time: 5h42m12s
